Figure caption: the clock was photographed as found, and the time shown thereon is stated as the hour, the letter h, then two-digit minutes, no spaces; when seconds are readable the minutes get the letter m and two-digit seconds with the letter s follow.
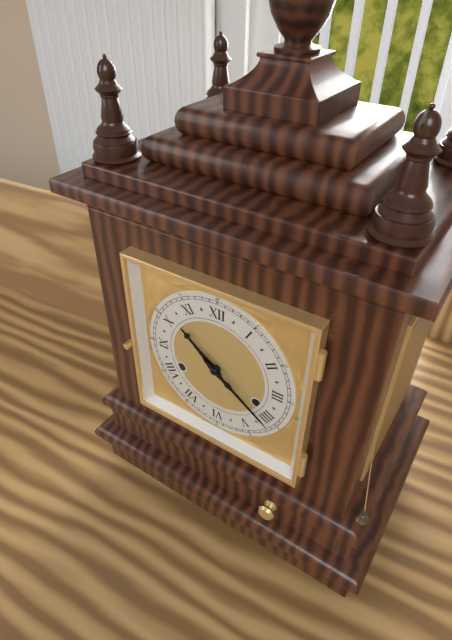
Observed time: 10h21
